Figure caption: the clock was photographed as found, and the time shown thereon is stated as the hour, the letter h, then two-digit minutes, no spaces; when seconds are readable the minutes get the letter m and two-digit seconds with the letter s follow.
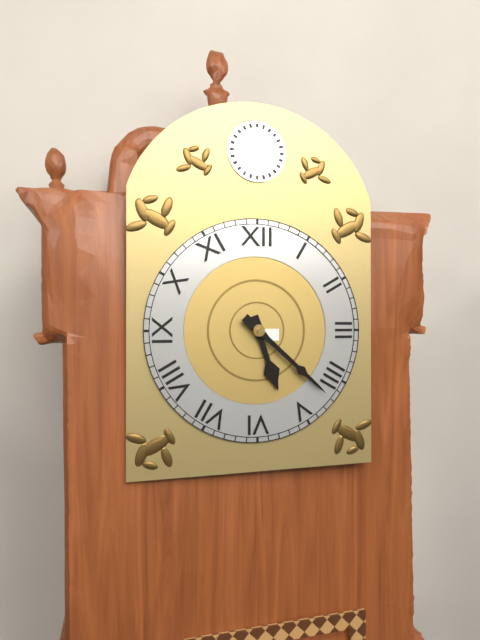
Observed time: 5h22
